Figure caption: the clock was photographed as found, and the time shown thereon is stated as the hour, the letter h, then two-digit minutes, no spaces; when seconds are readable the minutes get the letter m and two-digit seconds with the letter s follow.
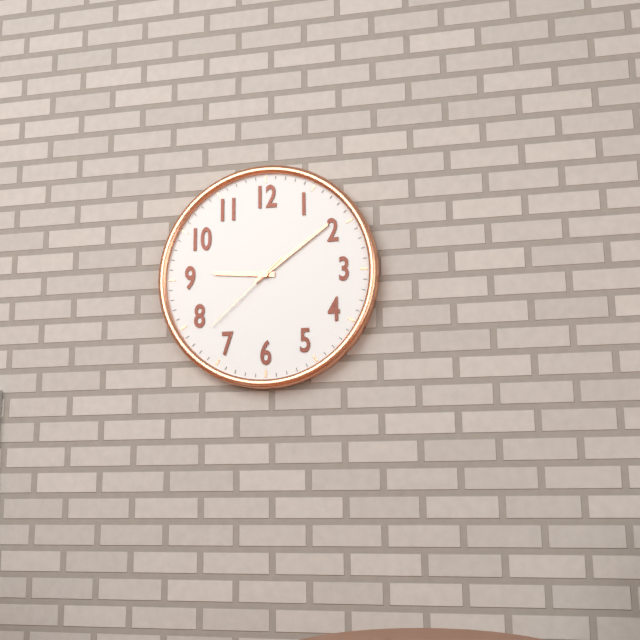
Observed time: 9h09m38s
